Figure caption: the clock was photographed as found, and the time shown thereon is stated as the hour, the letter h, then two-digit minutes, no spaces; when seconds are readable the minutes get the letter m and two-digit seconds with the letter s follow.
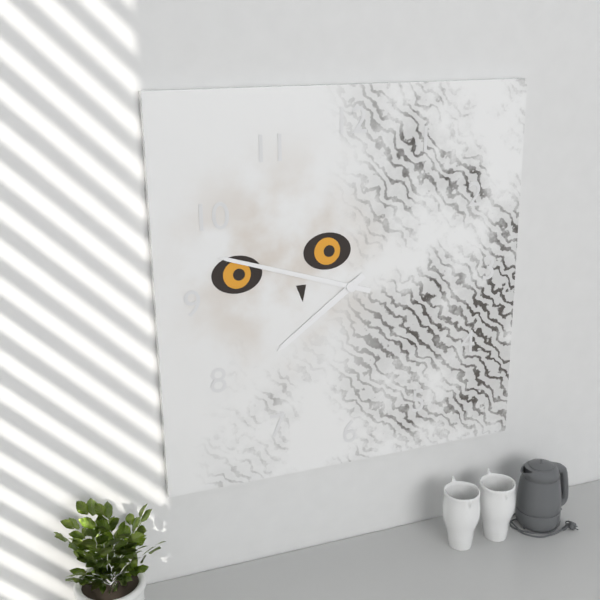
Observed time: 7h48
